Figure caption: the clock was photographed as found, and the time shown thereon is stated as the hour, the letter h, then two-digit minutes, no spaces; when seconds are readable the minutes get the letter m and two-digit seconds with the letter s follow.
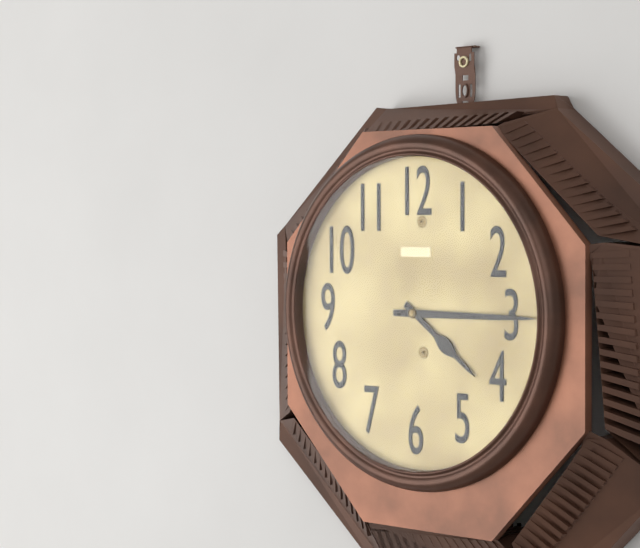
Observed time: 4h15
